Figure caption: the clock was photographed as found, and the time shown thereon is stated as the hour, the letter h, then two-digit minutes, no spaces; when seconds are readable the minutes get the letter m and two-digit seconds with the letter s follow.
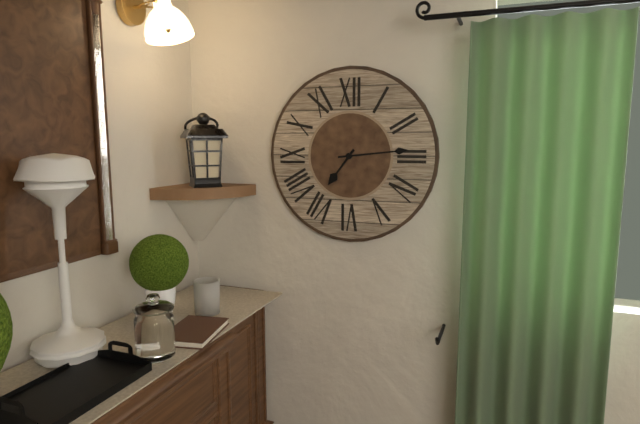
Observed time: 7h14
